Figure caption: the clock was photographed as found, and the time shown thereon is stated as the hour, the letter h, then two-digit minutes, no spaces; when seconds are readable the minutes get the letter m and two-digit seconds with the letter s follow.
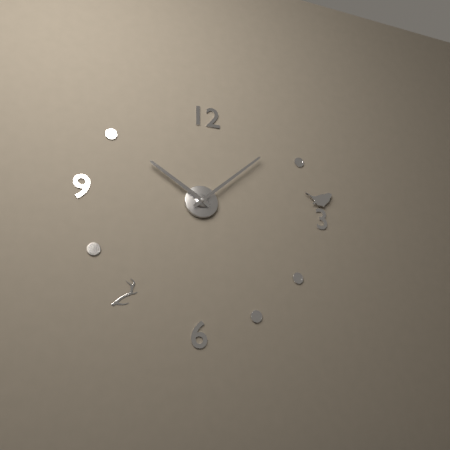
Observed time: 10h08
